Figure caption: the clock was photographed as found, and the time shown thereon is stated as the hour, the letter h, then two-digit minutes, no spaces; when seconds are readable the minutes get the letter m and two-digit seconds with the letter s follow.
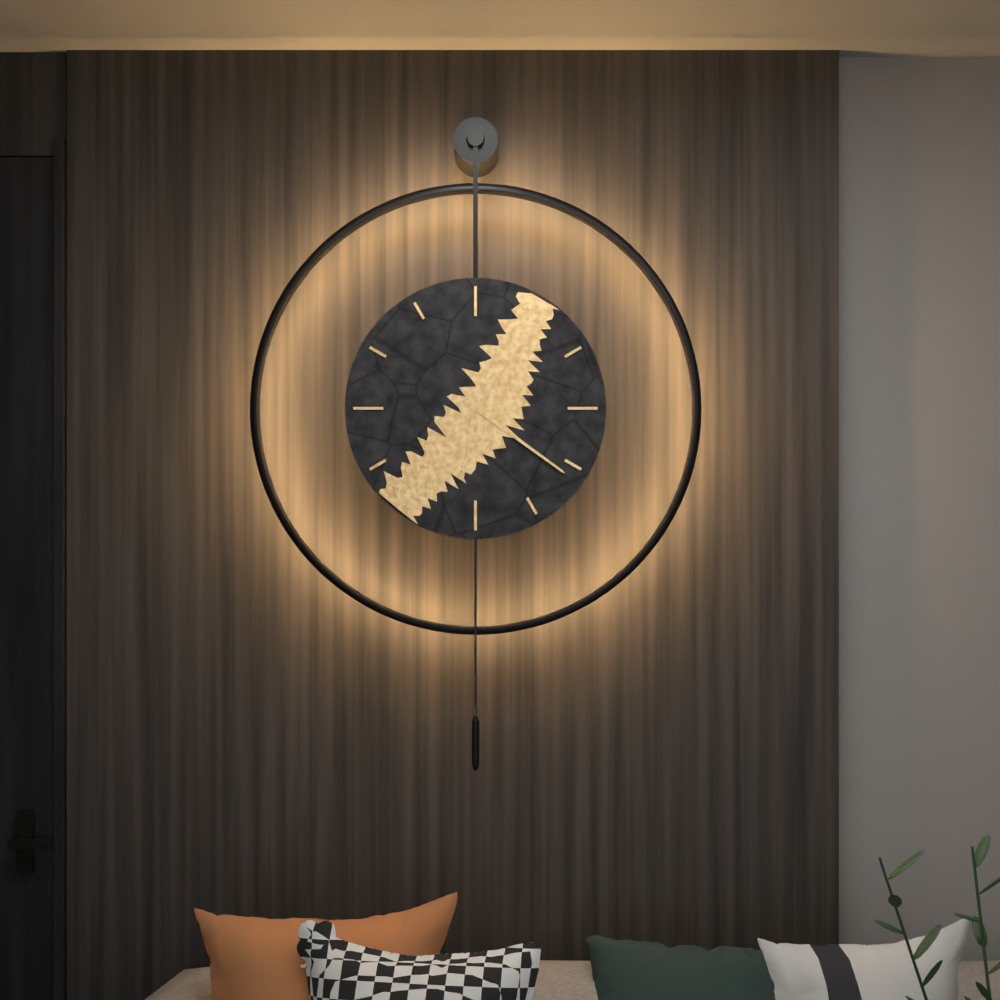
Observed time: 6h21m06s
